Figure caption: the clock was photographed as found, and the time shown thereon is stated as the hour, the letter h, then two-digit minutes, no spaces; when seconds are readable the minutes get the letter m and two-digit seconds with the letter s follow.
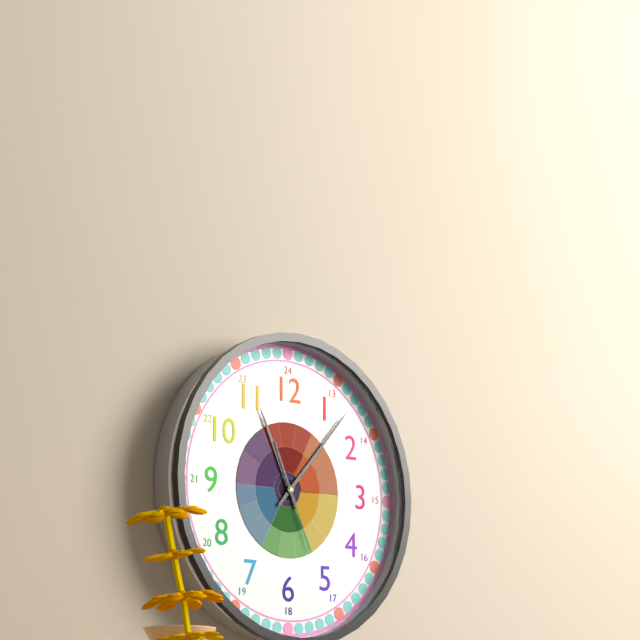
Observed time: 11h07m26s
